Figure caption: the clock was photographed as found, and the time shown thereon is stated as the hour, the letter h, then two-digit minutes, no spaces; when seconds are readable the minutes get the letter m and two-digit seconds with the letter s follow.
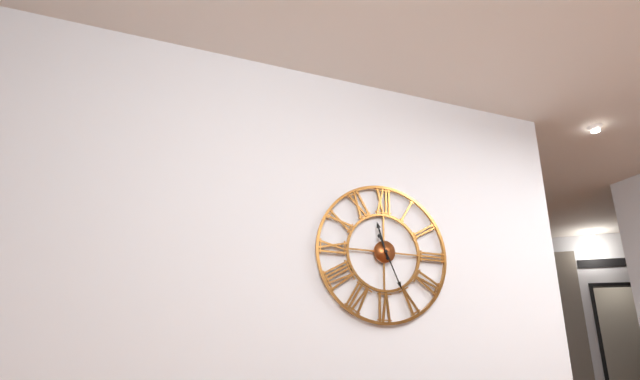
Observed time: 11h26
